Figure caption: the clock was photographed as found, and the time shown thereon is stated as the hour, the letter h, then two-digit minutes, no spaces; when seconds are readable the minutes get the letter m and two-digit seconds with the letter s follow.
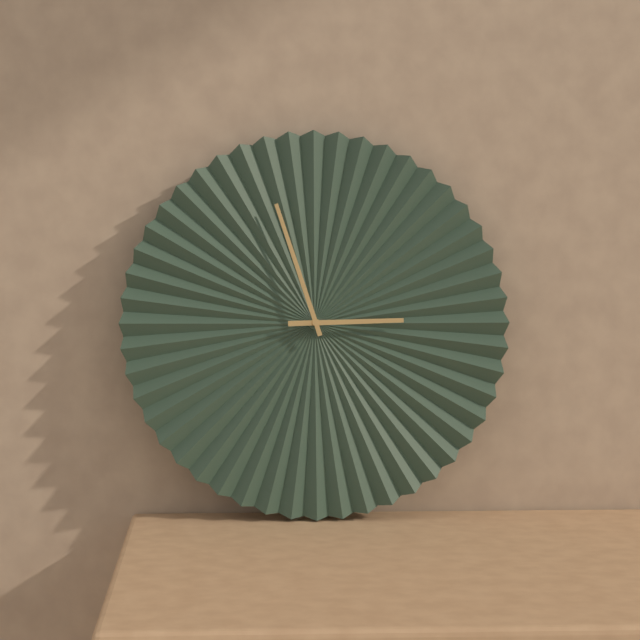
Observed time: 2h57
